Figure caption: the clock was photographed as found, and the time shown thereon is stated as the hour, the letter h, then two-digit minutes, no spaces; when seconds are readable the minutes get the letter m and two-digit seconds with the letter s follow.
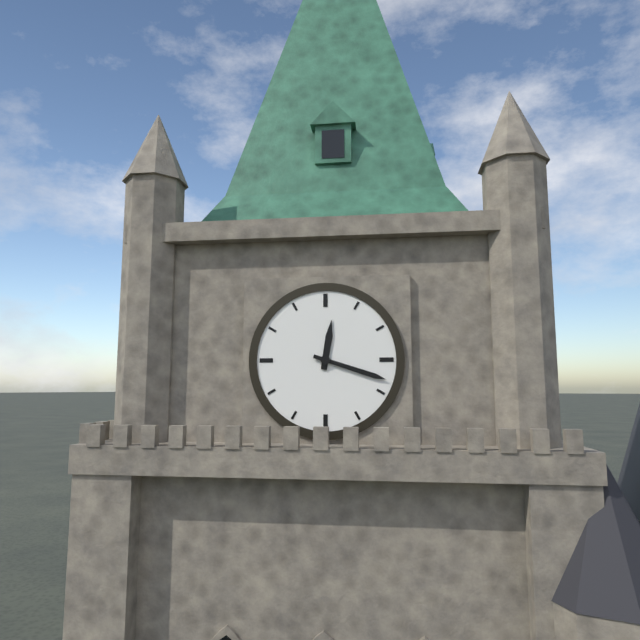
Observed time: 12h18
